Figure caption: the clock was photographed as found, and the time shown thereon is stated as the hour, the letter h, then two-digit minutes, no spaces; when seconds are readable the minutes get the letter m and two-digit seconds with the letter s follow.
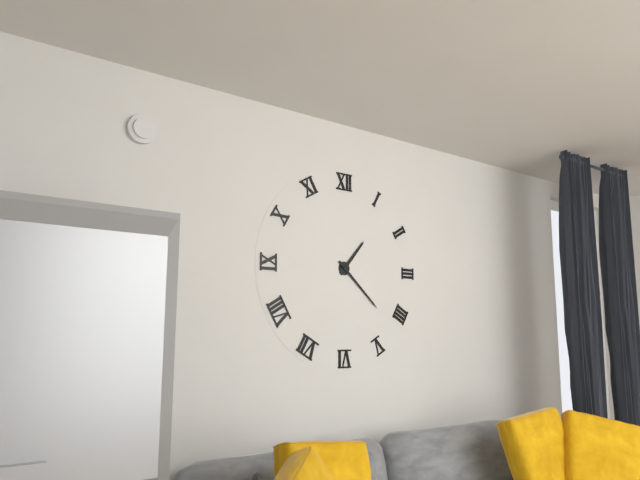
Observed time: 1h22
